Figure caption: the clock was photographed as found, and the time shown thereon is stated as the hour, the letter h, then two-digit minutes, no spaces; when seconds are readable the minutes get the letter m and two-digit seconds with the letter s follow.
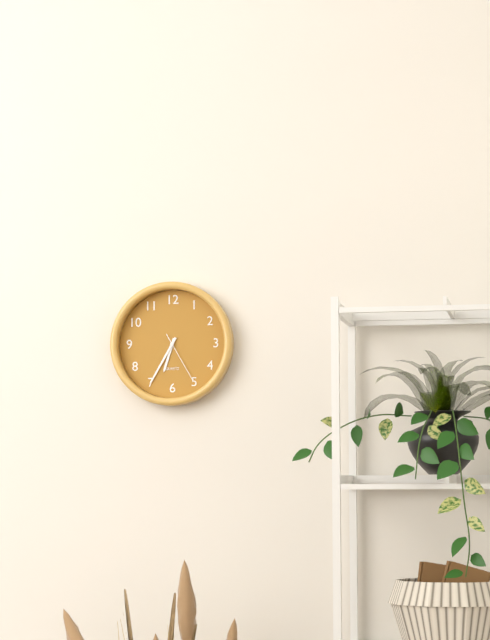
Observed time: 6h35m25s
